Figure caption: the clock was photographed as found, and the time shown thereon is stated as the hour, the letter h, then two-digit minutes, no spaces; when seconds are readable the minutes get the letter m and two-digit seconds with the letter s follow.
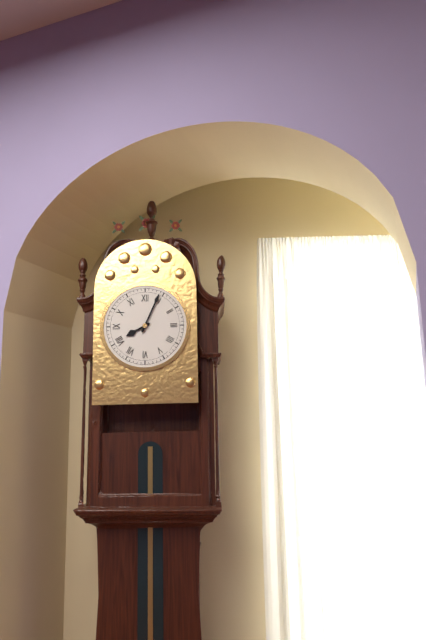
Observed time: 8h04
